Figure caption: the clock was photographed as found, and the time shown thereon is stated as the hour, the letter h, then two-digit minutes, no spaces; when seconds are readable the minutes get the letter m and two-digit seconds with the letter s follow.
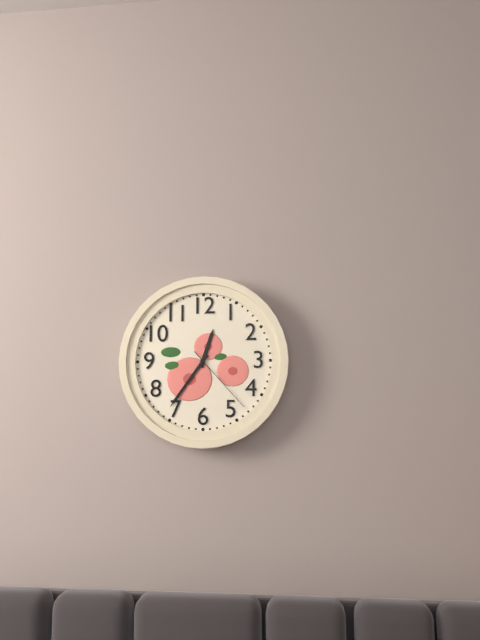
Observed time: 12h36m23s
